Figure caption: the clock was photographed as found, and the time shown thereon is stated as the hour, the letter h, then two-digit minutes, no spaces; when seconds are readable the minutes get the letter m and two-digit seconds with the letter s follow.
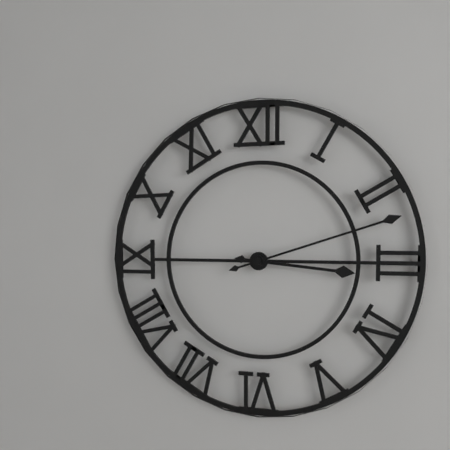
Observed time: 3h12
